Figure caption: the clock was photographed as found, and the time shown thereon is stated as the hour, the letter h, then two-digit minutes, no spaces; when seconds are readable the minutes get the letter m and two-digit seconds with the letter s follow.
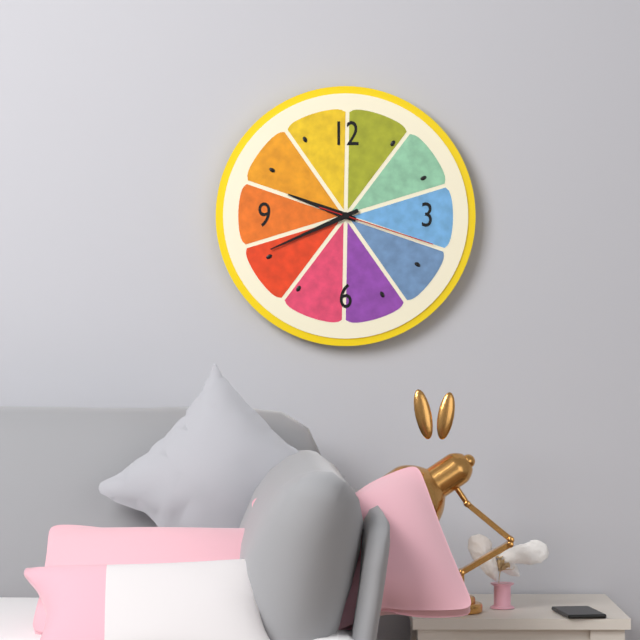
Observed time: 9h41m18s
